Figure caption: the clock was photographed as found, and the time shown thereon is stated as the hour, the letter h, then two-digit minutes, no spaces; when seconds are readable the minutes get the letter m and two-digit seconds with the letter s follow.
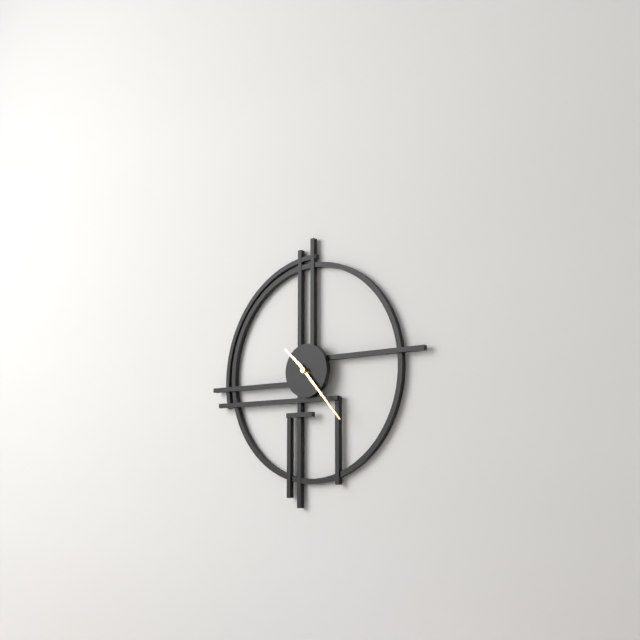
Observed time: 10h23
